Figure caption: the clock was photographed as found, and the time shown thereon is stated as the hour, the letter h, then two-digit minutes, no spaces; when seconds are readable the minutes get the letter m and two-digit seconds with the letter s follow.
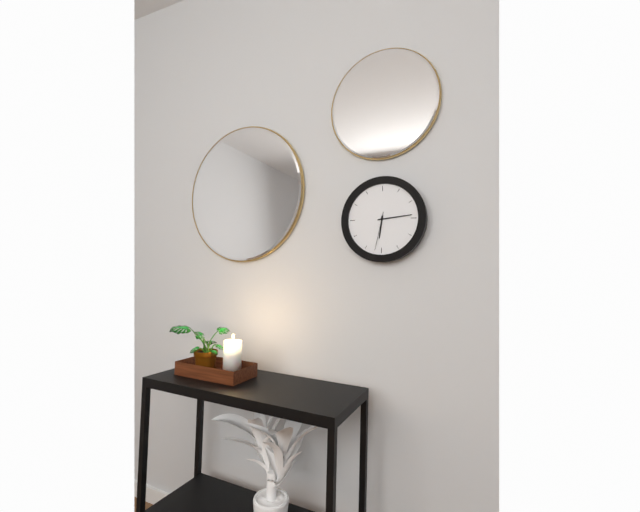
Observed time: 6h14
